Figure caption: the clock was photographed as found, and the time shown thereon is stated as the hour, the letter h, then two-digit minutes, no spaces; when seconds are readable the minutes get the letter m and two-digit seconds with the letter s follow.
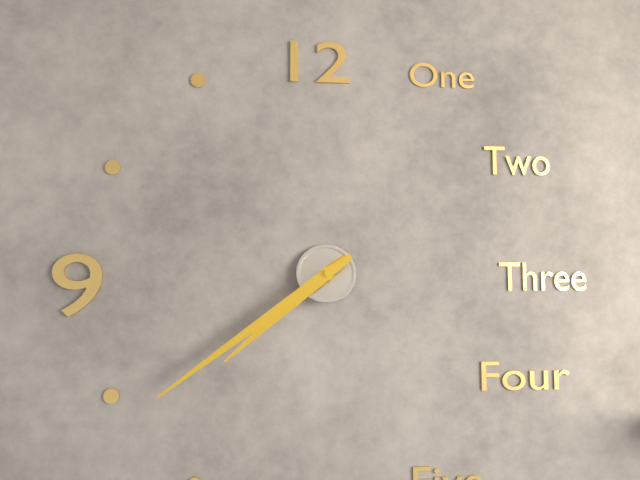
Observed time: 7h39
